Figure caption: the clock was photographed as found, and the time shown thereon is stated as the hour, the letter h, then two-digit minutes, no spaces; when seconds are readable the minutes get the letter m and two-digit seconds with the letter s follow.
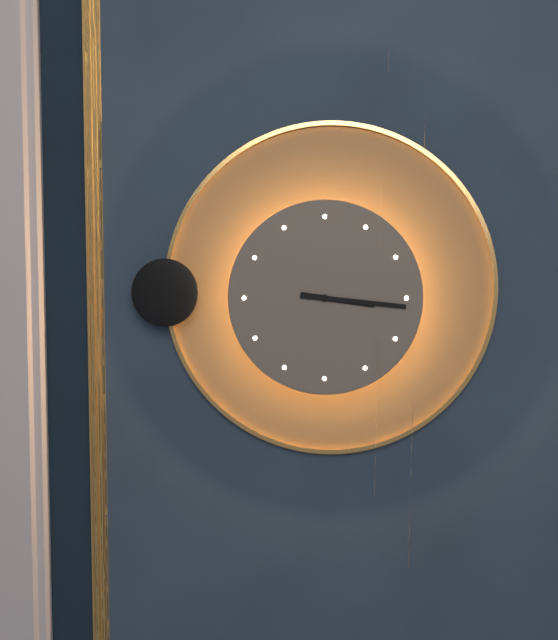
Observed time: 3h16
